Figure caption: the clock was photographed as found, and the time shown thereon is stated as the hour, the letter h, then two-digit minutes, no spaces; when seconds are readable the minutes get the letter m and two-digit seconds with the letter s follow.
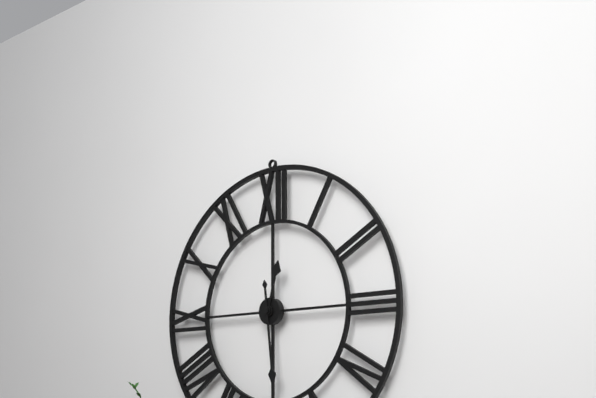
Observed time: 12h29
